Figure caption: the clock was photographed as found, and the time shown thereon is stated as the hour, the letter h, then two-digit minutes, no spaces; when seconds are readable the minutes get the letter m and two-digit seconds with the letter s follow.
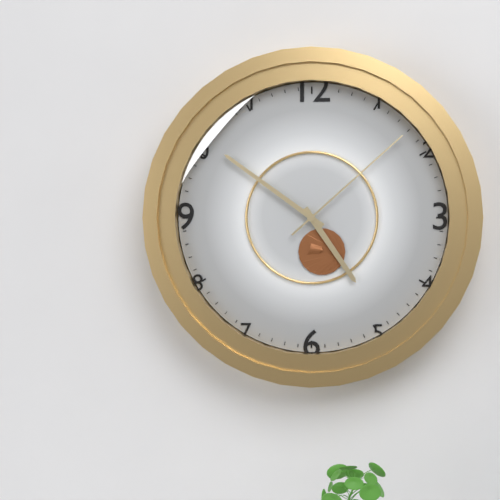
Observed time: 4h51m08s
